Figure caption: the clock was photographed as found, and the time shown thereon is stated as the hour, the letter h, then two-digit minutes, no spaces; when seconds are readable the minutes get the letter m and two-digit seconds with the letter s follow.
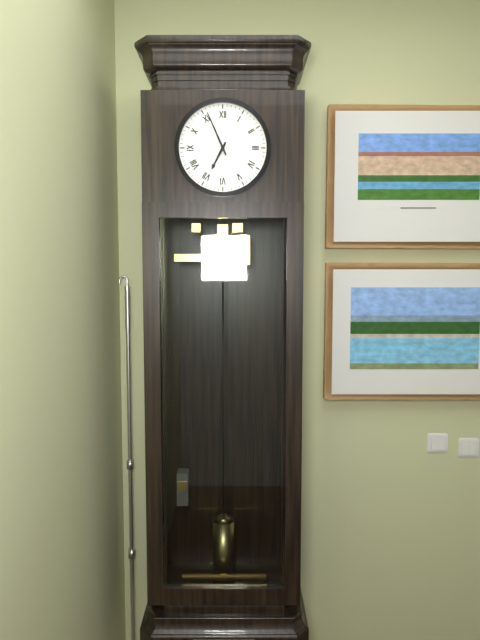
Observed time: 6h56
